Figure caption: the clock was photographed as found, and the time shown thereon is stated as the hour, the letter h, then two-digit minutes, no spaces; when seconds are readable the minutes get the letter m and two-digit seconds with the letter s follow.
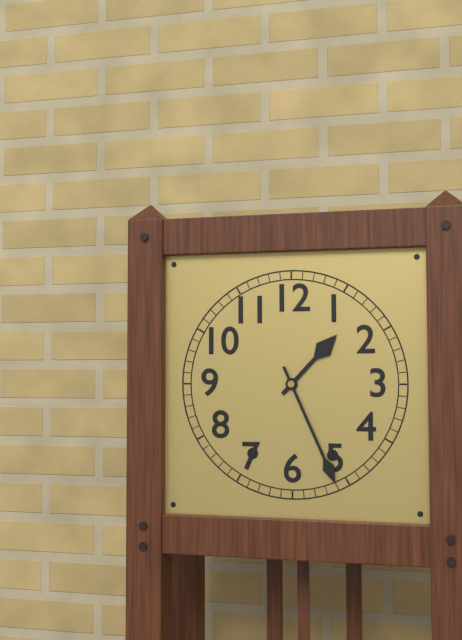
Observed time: 1h26
